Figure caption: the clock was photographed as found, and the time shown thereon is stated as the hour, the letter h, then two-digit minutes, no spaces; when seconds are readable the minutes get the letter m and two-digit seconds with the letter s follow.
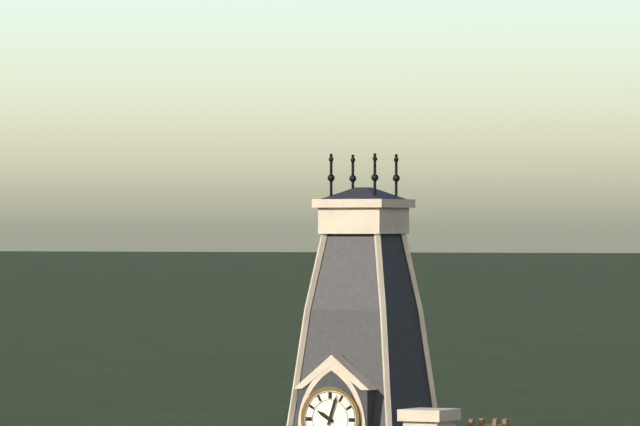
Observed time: 10h03
